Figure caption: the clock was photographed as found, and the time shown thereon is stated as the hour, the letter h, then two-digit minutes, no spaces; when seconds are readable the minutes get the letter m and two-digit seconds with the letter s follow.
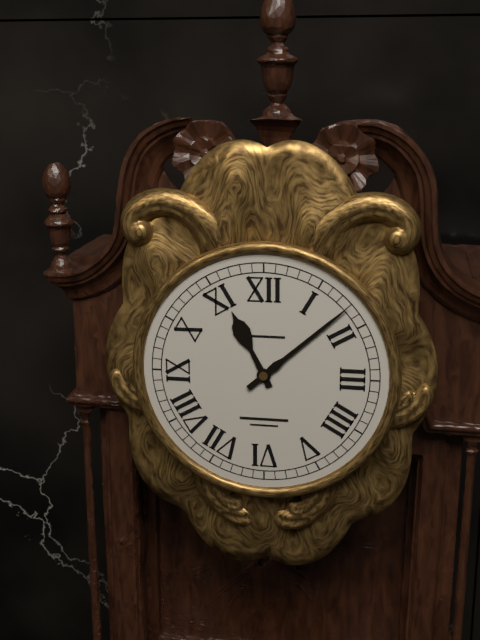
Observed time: 11h08
